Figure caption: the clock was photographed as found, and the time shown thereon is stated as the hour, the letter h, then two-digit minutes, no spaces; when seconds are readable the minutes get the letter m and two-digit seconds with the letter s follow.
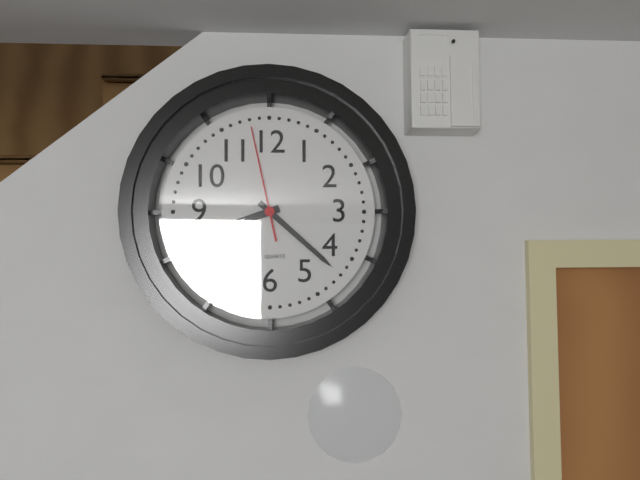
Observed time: 8h22m58s
